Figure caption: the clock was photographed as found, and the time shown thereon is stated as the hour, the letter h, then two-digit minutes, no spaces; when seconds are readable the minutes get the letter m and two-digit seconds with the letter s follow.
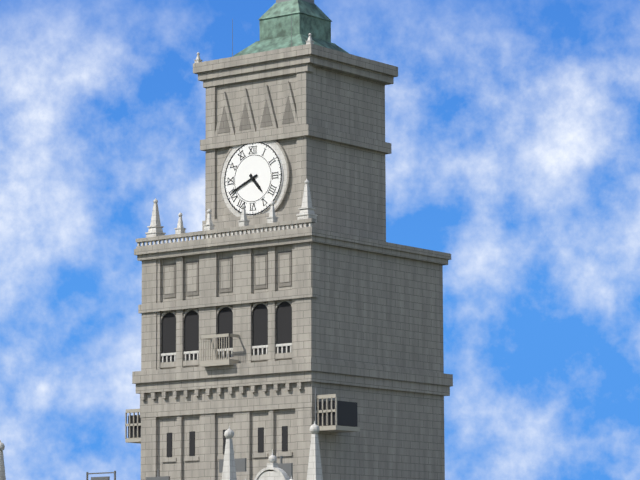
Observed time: 4h41
